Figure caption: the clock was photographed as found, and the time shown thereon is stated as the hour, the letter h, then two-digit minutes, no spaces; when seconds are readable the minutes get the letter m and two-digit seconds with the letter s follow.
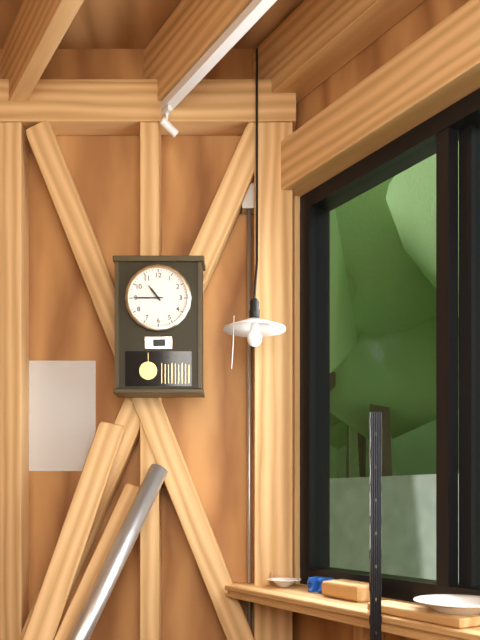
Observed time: 10h45
